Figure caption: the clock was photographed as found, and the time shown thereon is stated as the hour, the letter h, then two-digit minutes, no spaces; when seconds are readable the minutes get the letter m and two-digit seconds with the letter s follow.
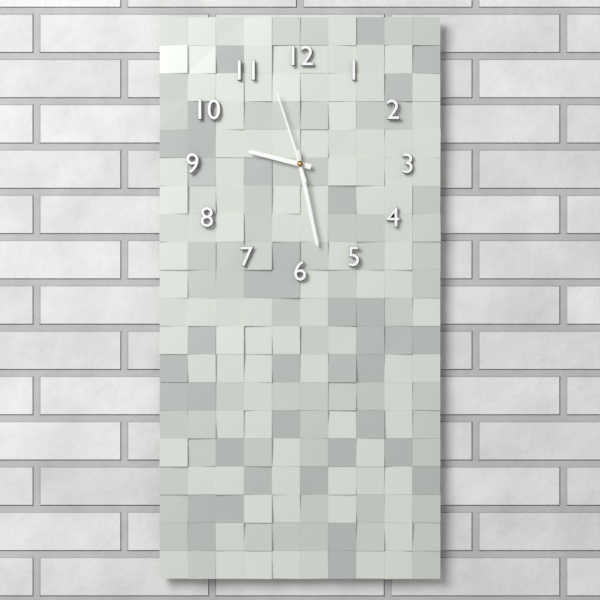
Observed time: 9h28m57s
